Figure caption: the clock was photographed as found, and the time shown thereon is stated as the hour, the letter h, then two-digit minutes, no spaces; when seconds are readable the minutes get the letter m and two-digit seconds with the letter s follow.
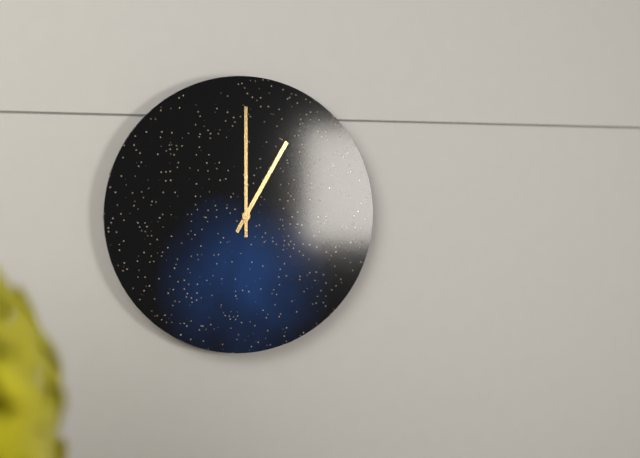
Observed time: 1h00
